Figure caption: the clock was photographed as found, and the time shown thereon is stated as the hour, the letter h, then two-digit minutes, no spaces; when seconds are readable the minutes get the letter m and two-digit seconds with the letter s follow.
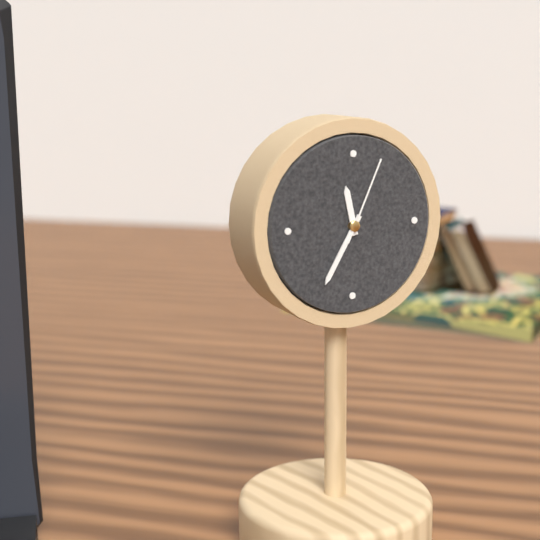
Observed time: 11h35m04s
